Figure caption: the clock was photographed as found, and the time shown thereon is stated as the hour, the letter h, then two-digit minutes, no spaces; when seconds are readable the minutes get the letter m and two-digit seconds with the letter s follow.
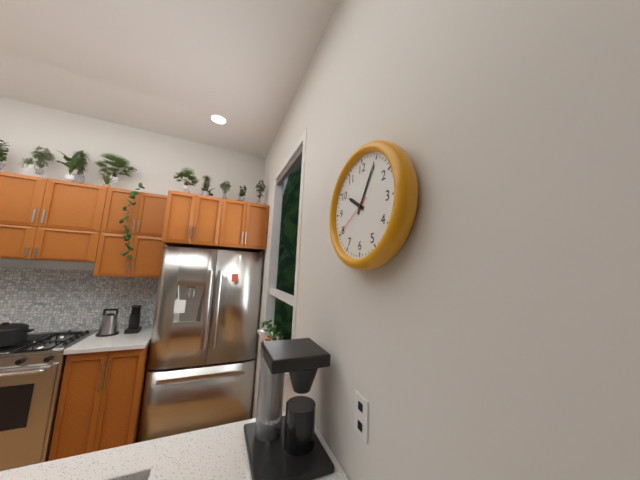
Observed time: 10h05
